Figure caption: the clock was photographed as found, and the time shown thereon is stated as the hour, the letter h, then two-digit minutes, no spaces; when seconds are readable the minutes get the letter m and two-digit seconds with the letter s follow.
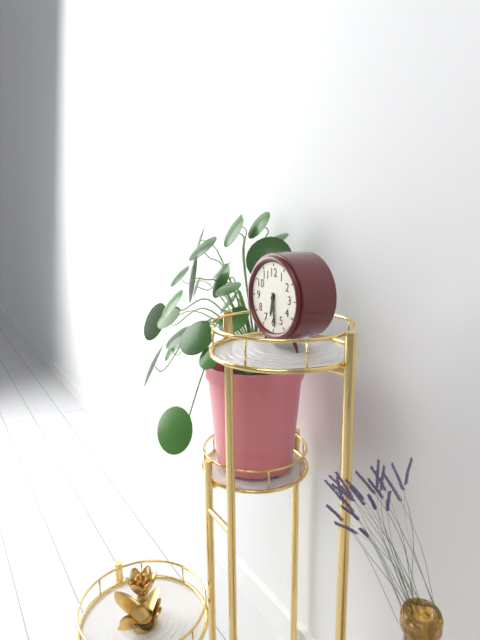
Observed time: 6h29
